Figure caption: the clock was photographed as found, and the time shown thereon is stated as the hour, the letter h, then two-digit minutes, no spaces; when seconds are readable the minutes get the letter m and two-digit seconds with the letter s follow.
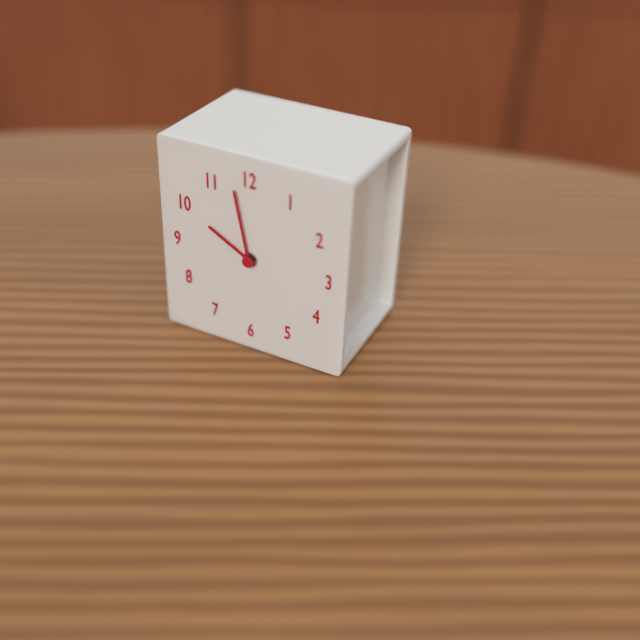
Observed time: 9h58
